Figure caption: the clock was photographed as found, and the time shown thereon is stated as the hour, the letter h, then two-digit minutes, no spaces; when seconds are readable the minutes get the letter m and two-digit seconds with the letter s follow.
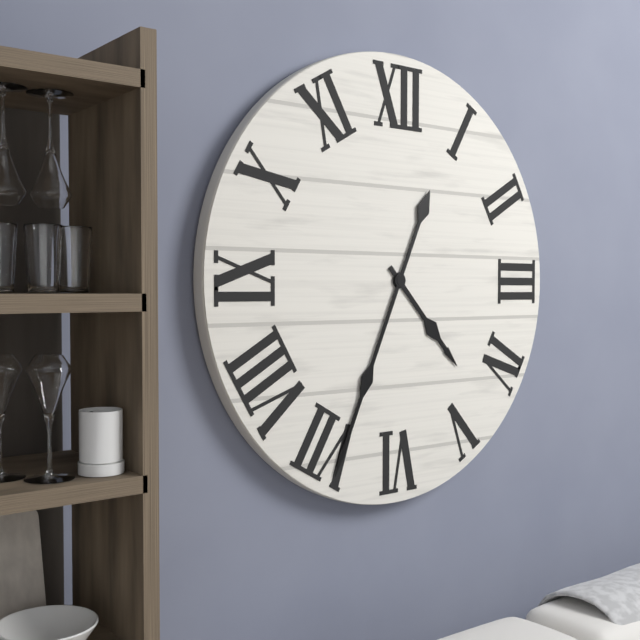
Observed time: 4h34
